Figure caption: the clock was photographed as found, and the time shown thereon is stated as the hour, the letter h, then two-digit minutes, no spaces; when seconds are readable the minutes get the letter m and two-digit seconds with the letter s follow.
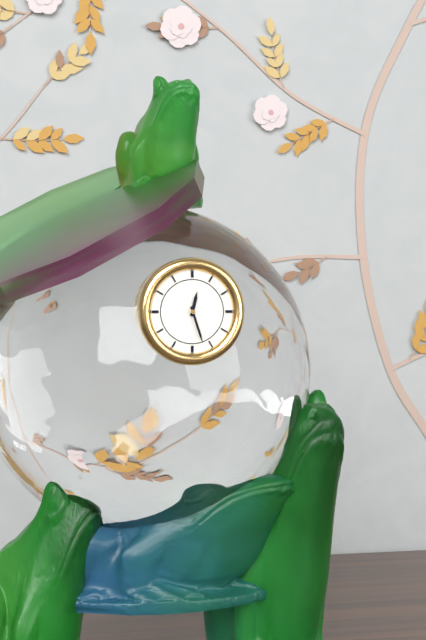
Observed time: 12h27
